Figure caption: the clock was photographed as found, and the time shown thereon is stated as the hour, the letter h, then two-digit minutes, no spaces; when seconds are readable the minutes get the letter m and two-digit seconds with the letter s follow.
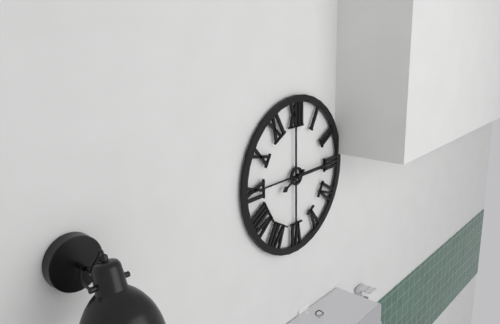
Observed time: 8h15
